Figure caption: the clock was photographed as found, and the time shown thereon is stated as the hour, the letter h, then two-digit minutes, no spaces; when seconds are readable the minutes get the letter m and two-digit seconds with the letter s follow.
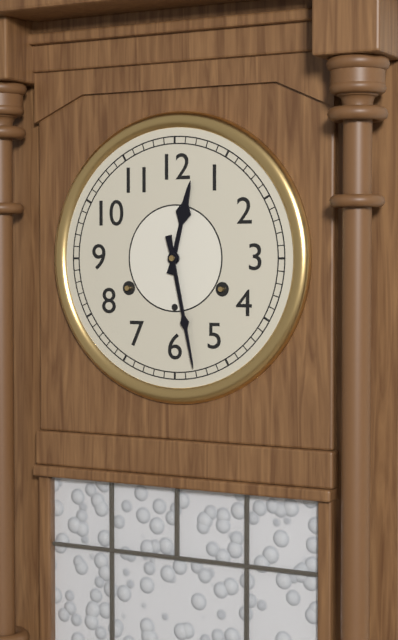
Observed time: 12h28
